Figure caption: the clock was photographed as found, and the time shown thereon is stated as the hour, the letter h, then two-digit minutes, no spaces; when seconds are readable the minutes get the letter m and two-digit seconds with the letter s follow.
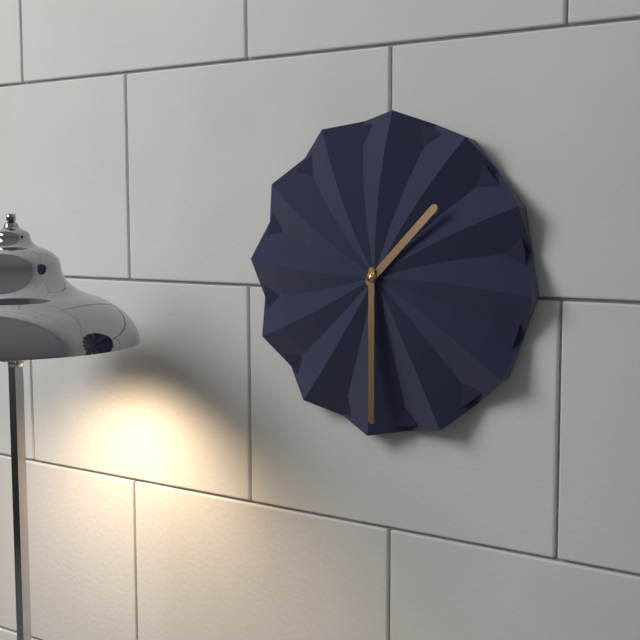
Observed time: 1h30
